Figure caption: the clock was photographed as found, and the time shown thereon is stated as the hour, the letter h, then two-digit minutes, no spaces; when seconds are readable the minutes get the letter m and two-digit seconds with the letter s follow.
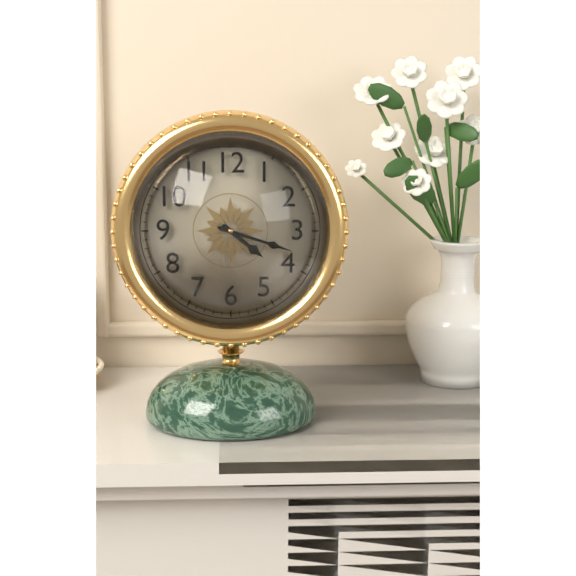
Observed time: 4h18
